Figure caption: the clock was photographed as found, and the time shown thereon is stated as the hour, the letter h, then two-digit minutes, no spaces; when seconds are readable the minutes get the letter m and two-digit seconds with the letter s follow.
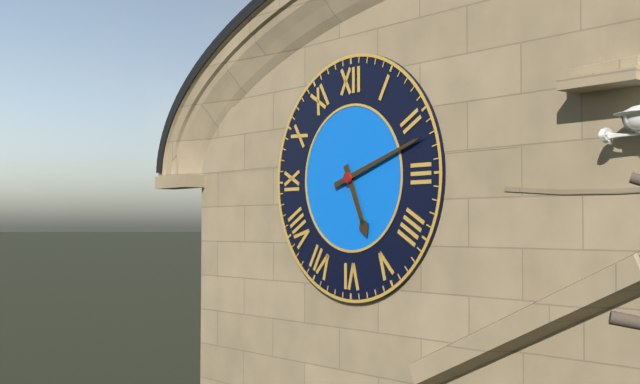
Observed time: 5h12
